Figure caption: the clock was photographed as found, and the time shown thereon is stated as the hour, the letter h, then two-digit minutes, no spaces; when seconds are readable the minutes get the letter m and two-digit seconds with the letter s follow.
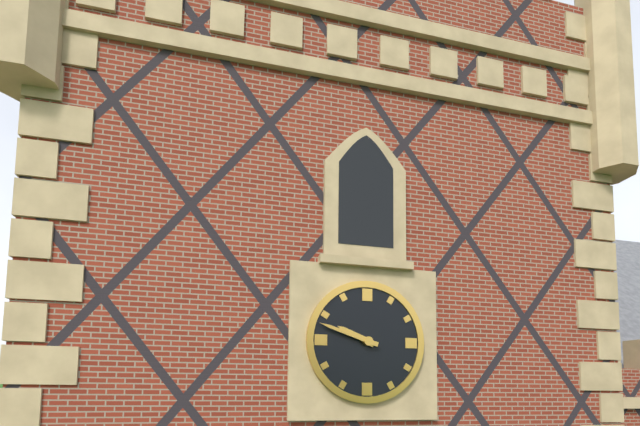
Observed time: 9h48
